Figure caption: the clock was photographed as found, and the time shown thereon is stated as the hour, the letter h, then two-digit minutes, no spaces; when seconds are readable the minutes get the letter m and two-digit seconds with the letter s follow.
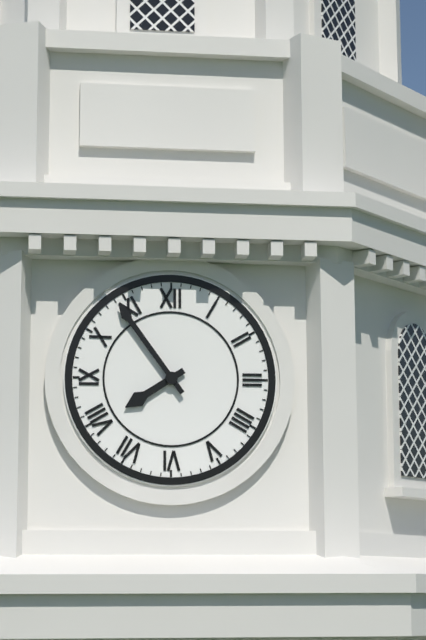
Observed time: 7h54
